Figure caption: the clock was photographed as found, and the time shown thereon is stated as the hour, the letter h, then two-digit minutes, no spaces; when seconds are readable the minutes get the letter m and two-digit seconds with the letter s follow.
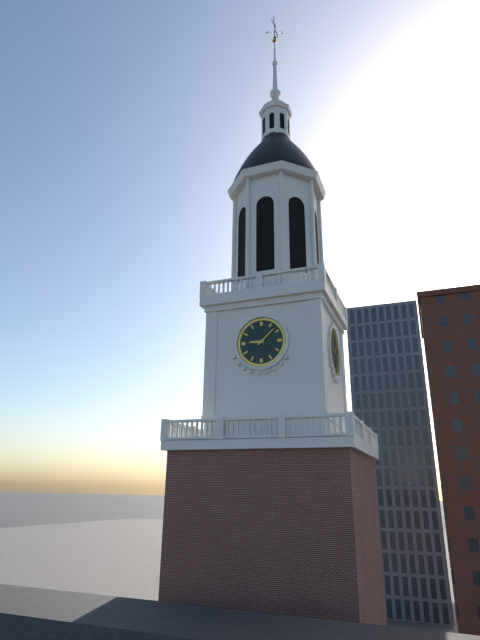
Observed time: 9h08
